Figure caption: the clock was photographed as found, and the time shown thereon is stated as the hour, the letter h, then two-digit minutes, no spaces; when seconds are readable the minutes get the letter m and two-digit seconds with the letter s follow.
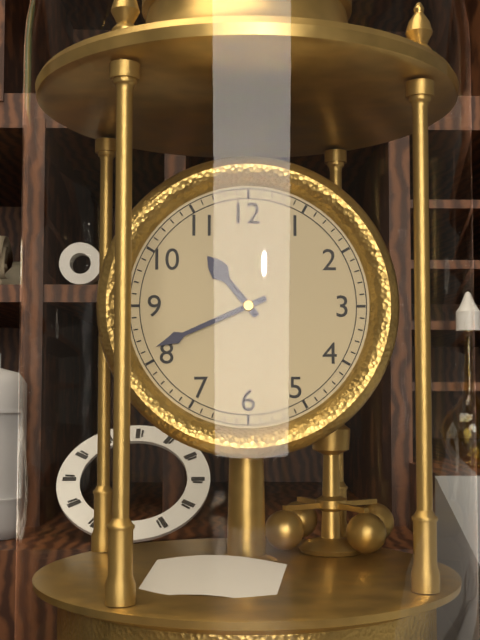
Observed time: 10h41
